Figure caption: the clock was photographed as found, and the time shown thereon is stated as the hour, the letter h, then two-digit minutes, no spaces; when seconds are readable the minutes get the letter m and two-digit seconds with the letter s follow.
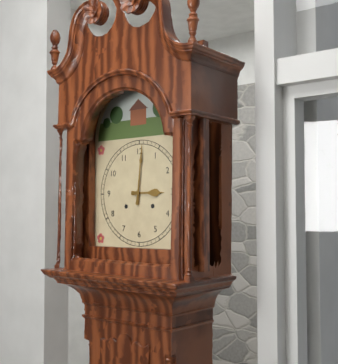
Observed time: 3h01
